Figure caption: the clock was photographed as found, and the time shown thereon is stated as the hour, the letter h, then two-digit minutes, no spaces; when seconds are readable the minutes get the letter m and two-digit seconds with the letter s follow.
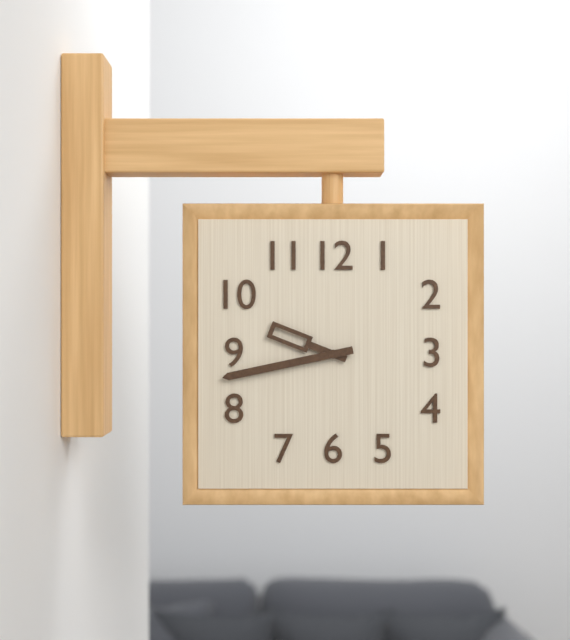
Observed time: 9h43
